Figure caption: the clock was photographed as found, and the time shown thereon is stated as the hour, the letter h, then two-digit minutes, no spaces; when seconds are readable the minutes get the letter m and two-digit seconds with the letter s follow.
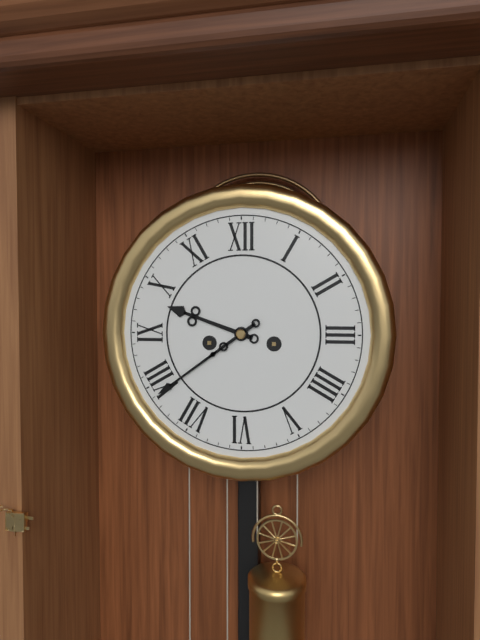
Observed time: 9h39
